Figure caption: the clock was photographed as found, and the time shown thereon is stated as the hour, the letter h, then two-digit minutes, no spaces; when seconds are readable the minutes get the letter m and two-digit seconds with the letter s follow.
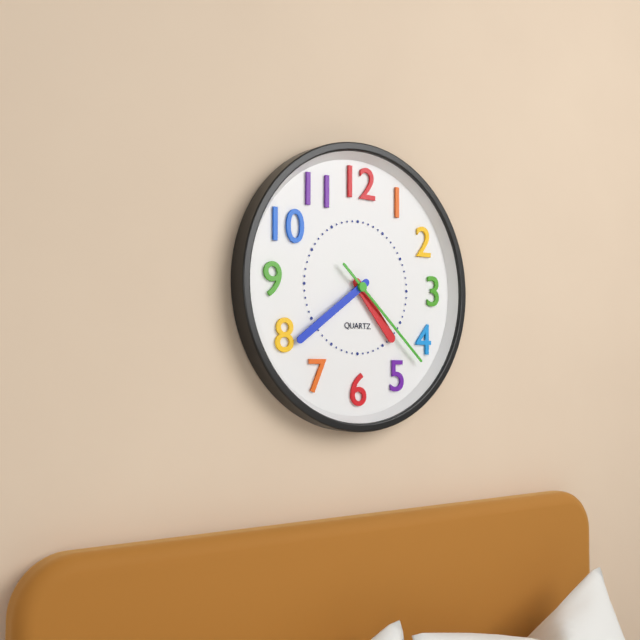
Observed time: 4h39m22s
